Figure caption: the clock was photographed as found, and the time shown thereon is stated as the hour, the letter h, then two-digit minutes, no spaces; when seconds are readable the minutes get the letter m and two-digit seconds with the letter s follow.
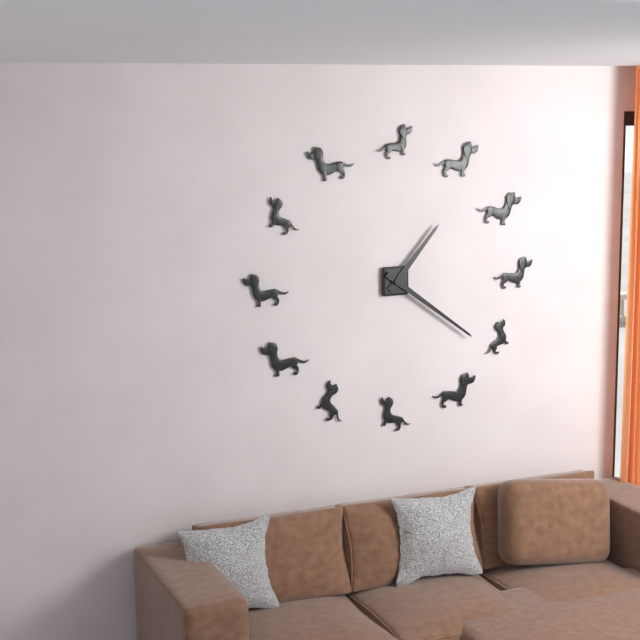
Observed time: 1h21
